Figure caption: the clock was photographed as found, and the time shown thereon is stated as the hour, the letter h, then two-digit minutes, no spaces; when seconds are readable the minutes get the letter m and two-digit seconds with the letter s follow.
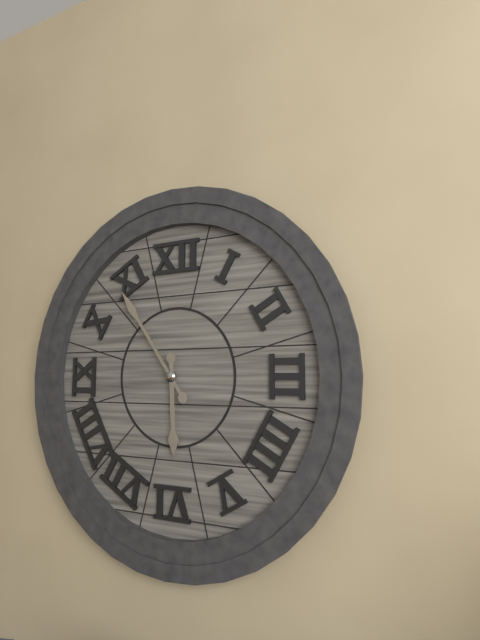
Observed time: 5h54
